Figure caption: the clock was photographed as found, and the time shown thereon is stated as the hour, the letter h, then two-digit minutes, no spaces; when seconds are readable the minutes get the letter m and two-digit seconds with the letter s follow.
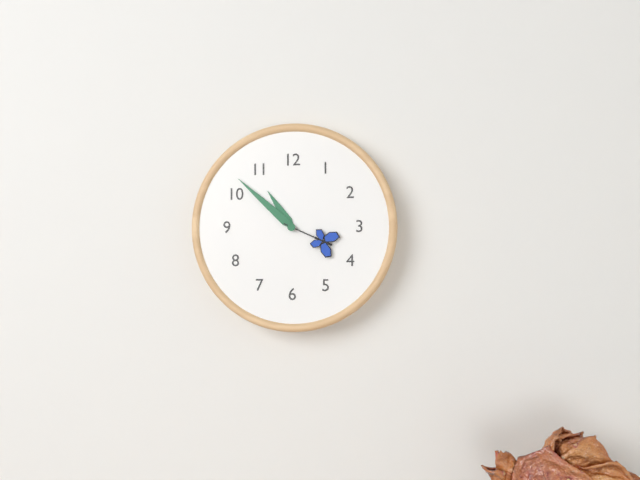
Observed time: 10h52m19s
